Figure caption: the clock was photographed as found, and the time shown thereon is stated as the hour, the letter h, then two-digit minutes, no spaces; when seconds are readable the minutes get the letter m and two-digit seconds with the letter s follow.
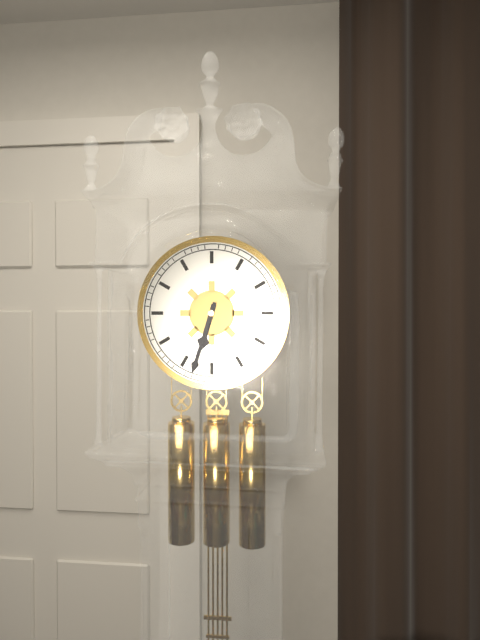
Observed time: 6h33
